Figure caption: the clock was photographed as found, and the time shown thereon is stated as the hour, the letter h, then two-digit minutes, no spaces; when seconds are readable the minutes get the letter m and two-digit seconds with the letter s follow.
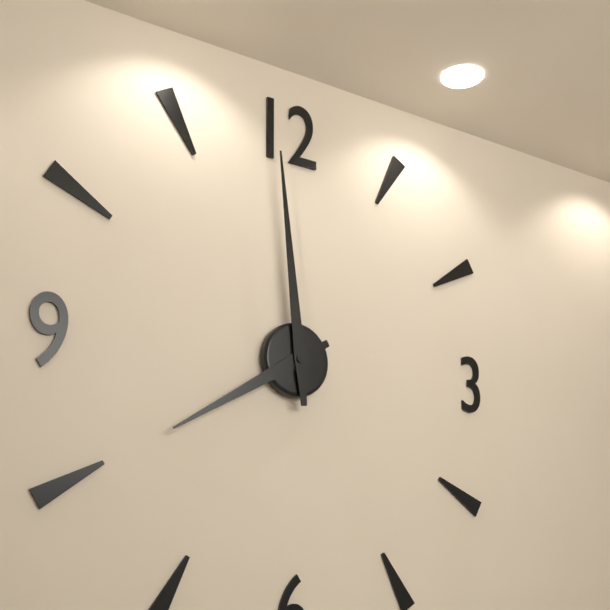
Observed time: 7h59
